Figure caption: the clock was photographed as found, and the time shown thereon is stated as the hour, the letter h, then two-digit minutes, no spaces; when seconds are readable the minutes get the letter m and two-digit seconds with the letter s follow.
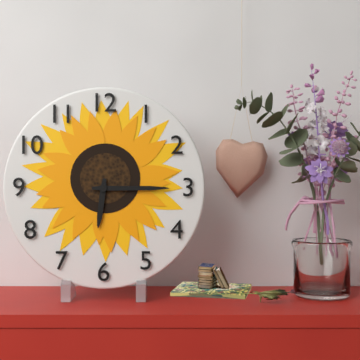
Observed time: 6h15
